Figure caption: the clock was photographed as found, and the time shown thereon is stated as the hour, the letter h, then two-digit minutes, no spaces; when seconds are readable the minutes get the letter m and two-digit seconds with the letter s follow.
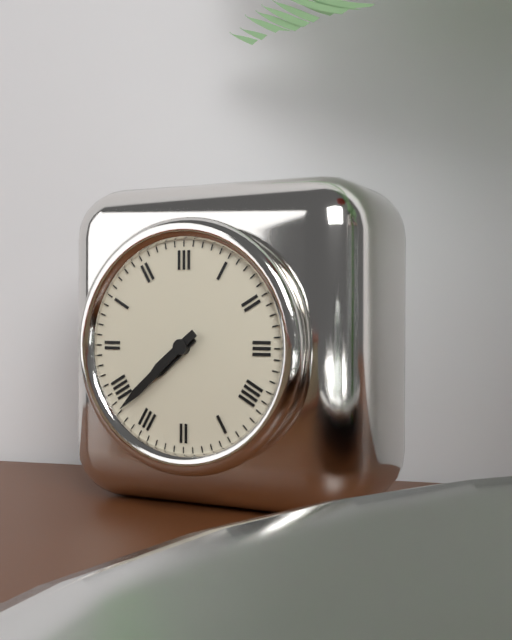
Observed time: 7h38
